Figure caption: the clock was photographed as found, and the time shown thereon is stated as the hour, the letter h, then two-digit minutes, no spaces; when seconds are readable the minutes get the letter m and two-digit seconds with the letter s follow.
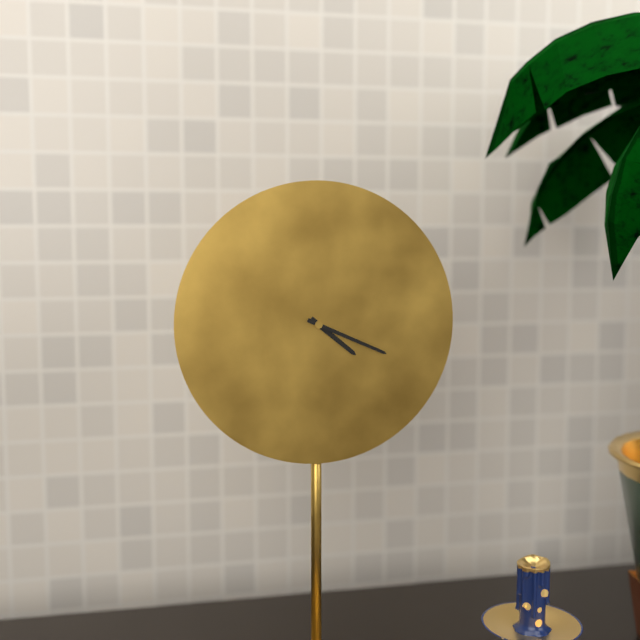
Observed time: 4h19
